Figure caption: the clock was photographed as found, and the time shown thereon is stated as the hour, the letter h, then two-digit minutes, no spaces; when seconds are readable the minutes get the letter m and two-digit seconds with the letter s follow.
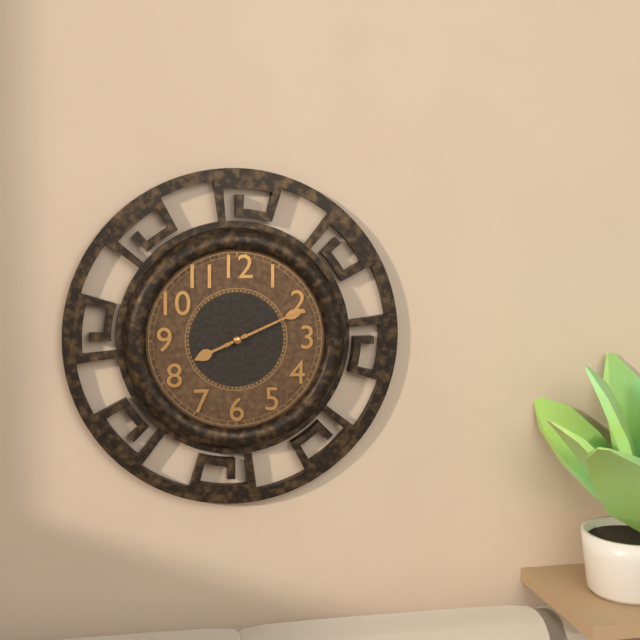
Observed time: 8h11m11s
